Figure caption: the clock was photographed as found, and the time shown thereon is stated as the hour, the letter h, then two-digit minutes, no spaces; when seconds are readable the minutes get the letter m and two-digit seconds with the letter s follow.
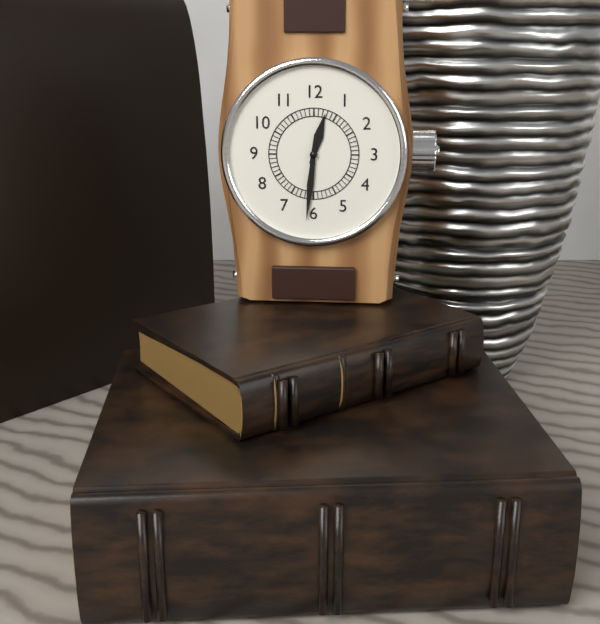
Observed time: 12h31
